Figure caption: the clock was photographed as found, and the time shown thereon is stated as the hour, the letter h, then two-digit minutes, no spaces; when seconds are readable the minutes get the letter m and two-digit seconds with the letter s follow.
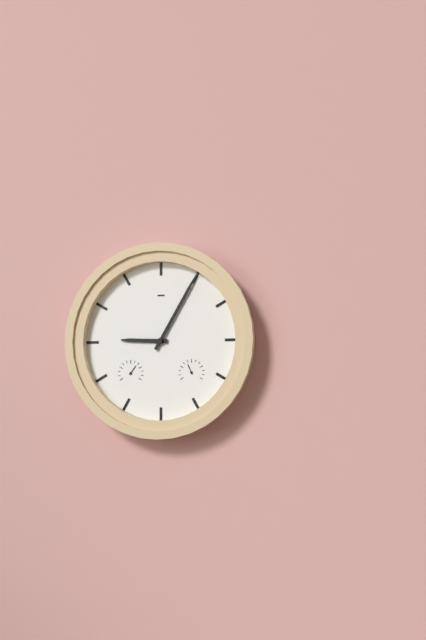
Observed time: 9h05
